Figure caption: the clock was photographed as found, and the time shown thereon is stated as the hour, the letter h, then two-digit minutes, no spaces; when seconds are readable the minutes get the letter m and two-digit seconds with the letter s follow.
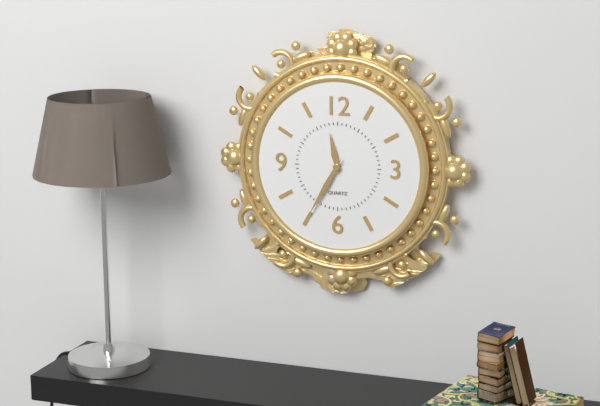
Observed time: 11h35
